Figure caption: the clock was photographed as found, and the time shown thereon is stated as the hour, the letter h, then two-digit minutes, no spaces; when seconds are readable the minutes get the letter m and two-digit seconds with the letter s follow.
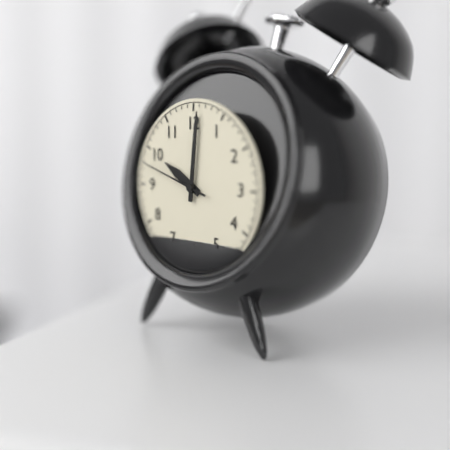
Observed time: 10h01m48s
